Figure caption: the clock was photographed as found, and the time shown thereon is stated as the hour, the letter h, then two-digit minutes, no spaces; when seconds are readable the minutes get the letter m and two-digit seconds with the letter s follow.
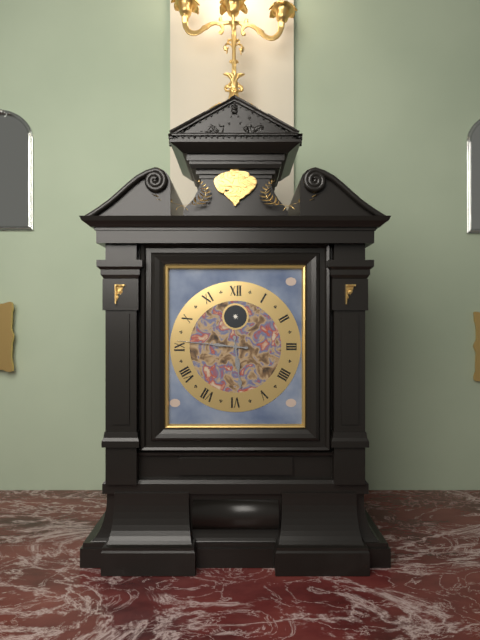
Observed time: 5h46
